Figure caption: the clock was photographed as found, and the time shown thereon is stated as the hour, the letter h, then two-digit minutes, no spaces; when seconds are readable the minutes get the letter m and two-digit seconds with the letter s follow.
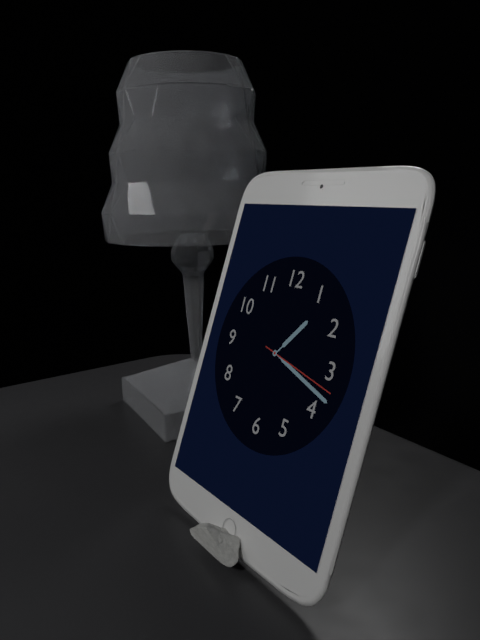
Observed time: 1h18m17s
